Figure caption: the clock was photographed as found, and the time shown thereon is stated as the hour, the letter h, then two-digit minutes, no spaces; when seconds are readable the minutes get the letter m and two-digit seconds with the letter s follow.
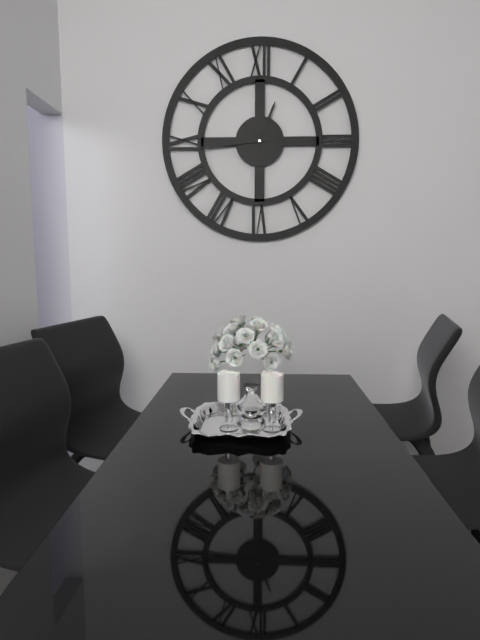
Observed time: 12h44
